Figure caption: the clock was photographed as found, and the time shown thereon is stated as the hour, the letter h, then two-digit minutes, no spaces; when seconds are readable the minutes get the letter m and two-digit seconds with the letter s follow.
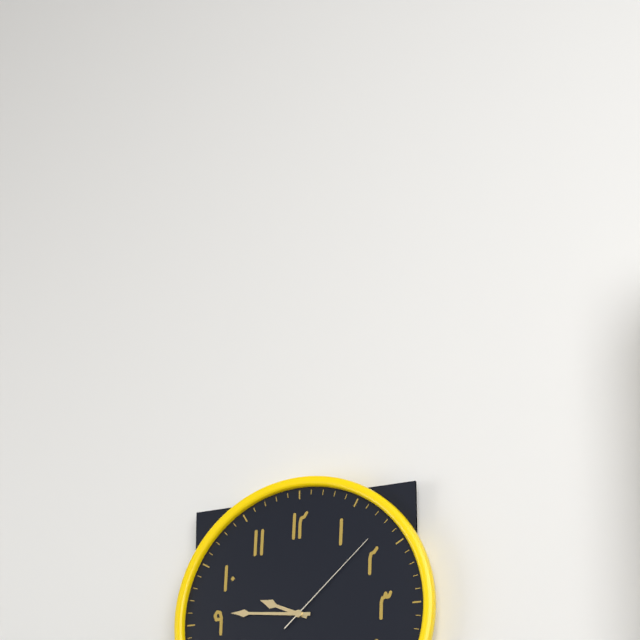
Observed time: 9h46m08s
